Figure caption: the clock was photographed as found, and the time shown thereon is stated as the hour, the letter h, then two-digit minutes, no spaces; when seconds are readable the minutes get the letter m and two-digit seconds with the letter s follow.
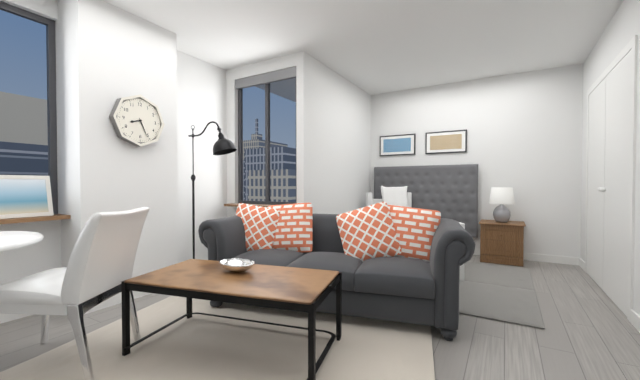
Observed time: 8h26
